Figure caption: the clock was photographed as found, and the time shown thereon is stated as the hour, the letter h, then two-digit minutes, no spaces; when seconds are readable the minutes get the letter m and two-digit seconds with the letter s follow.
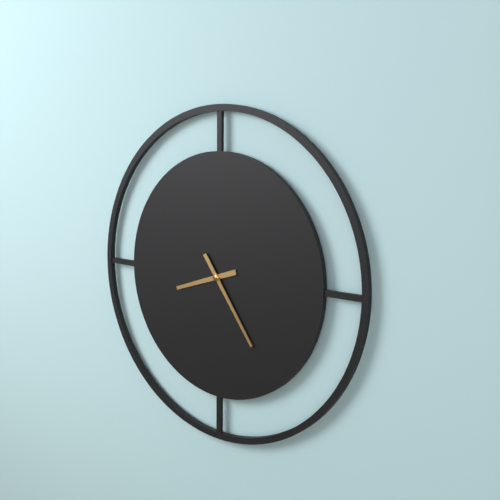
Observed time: 8h24
